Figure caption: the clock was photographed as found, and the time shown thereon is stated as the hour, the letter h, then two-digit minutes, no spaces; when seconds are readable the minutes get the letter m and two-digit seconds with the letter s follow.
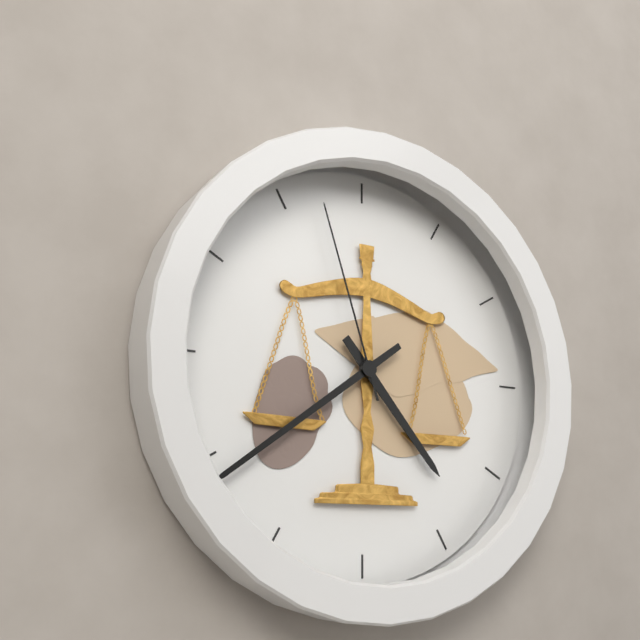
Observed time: 4h39m57s
